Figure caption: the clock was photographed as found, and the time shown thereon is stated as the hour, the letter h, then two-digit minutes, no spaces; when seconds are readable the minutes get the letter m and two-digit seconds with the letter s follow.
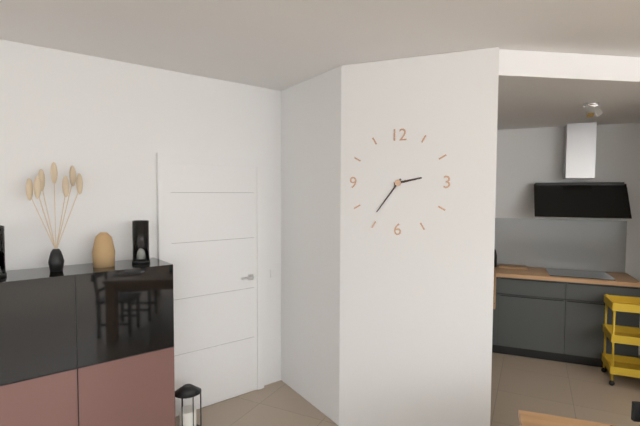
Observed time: 2h36
